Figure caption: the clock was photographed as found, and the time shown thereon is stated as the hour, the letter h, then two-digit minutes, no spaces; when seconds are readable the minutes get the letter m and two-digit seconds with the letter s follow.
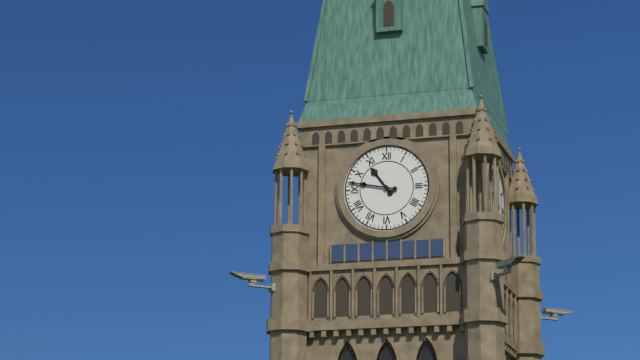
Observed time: 10h47
